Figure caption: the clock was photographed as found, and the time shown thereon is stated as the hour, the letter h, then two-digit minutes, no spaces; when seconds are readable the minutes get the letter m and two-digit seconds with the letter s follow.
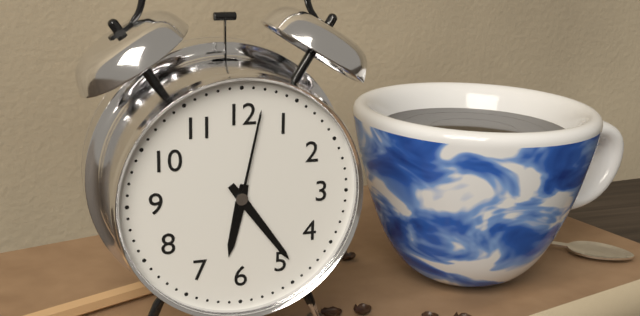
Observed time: 6h24m02s
